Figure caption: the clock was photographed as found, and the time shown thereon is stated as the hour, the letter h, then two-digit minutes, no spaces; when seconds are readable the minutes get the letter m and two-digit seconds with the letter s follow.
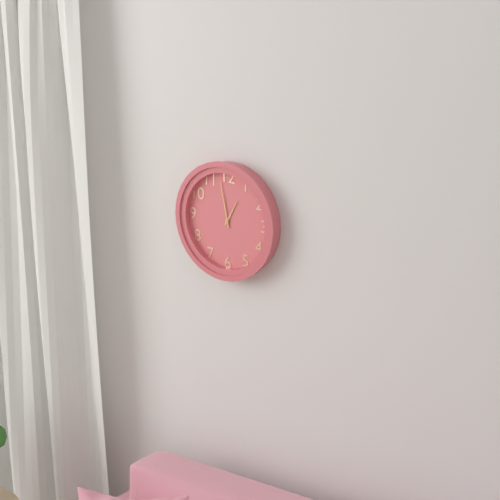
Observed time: 12h58
